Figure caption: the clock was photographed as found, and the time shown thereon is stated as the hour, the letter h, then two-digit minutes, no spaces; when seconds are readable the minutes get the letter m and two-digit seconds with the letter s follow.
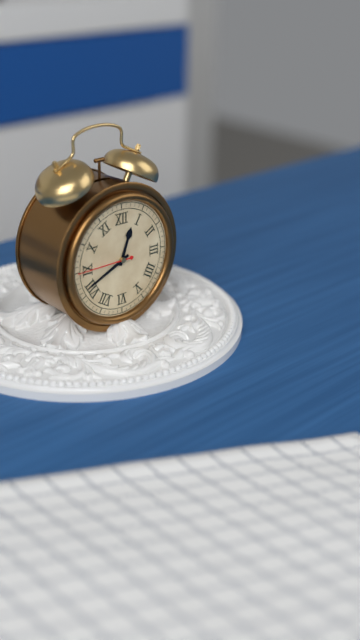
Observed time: 12h41m45s
